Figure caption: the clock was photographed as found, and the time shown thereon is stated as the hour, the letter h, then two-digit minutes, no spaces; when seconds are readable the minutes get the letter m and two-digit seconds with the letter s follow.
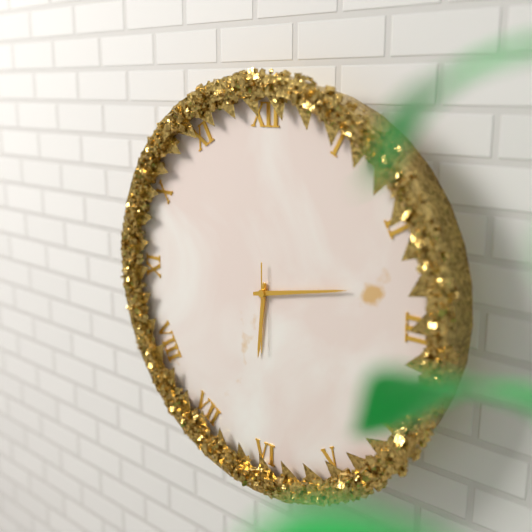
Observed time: 6h13m30s
